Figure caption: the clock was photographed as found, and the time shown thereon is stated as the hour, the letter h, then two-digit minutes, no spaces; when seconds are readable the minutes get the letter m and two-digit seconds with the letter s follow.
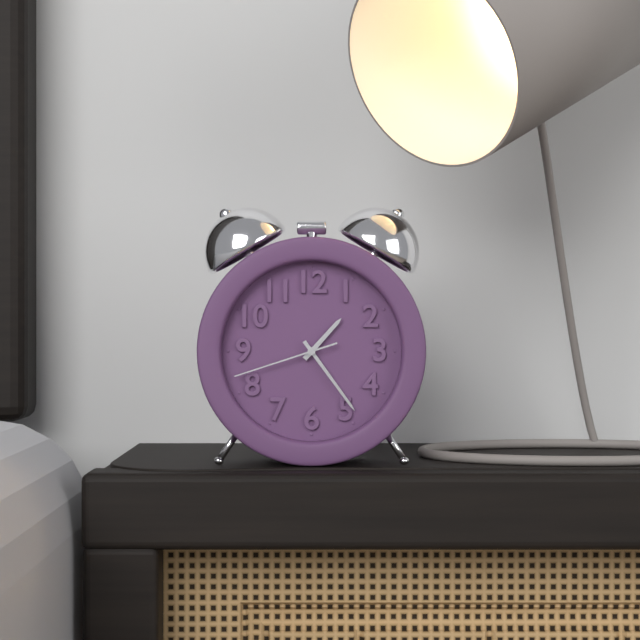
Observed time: 1h24m42s
